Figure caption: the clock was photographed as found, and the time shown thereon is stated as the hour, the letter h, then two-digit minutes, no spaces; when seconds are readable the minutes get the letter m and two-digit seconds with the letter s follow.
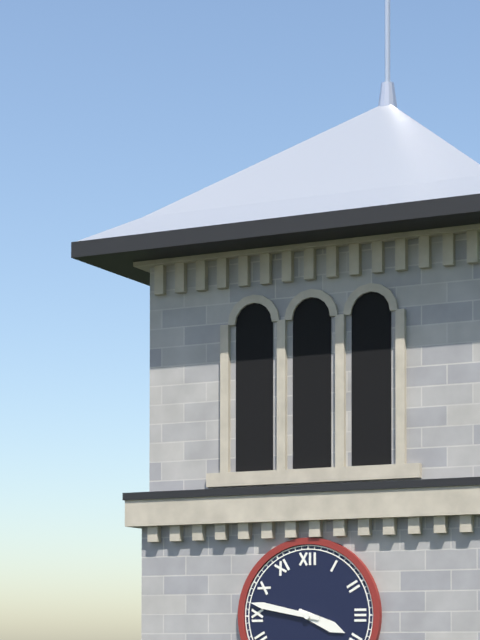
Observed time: 3h47
